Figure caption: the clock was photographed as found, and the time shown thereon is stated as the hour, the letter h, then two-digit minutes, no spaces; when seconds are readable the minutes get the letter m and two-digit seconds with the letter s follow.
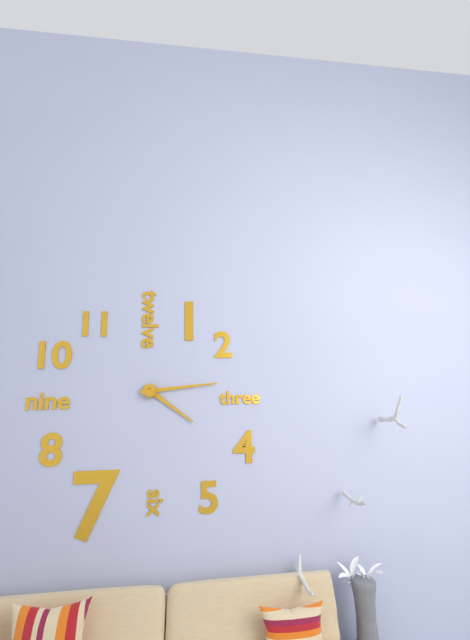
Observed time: 4h14
